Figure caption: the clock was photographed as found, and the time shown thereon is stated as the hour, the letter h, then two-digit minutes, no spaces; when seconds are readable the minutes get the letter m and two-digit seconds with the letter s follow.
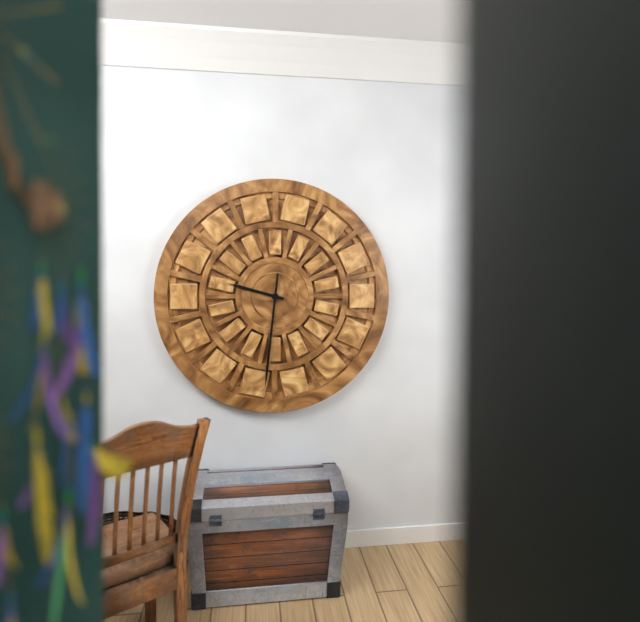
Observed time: 9h31
